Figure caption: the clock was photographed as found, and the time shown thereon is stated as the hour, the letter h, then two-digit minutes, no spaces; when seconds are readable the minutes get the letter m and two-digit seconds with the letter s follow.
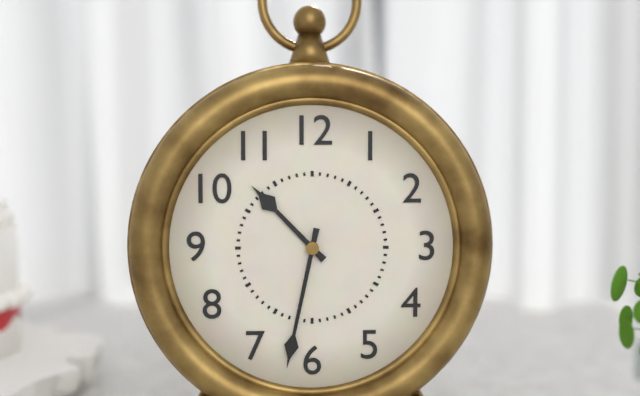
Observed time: 10h32
